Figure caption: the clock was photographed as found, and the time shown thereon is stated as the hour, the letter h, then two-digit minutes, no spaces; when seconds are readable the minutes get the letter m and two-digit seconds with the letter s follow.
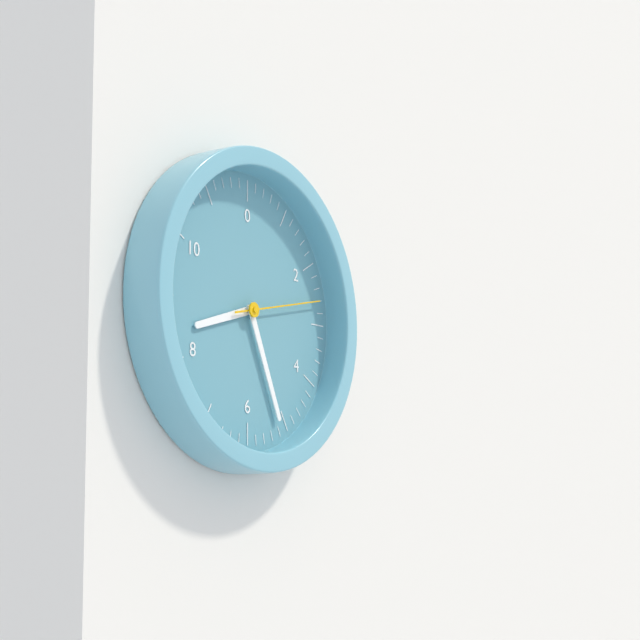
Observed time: 8h26m13s
